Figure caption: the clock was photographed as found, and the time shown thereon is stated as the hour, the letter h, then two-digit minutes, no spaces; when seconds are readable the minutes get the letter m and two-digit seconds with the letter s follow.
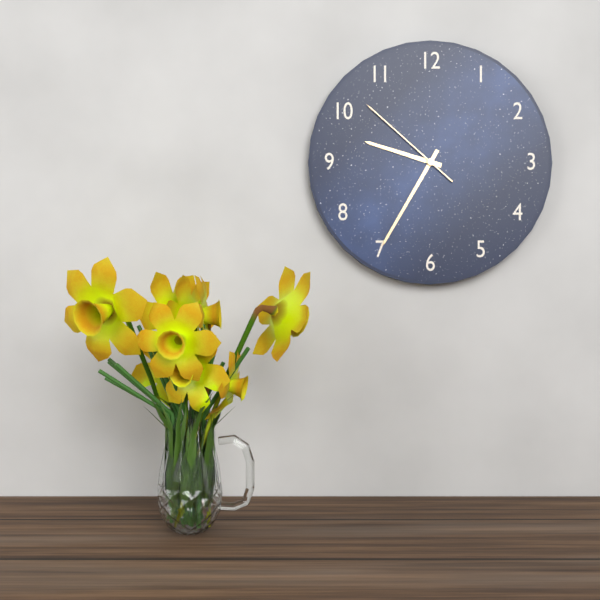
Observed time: 9h35m52s
